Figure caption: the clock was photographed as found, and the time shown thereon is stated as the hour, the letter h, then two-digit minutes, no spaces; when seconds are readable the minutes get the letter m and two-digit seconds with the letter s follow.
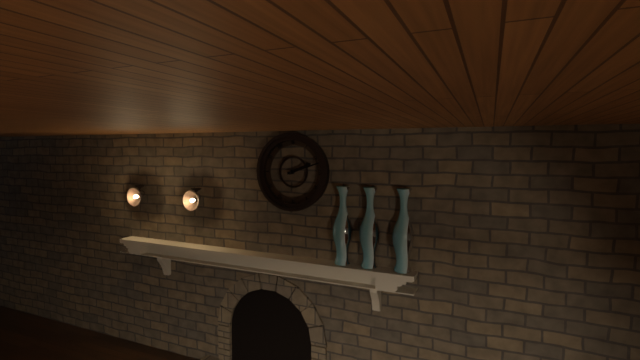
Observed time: 2h12
